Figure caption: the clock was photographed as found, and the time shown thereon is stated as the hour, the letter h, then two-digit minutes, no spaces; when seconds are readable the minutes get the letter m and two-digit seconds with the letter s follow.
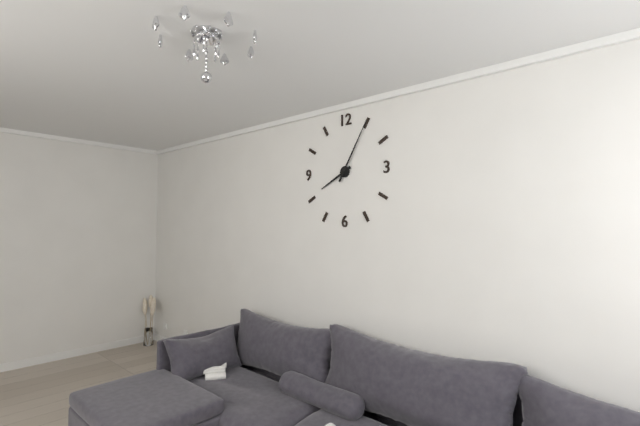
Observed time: 8h05
